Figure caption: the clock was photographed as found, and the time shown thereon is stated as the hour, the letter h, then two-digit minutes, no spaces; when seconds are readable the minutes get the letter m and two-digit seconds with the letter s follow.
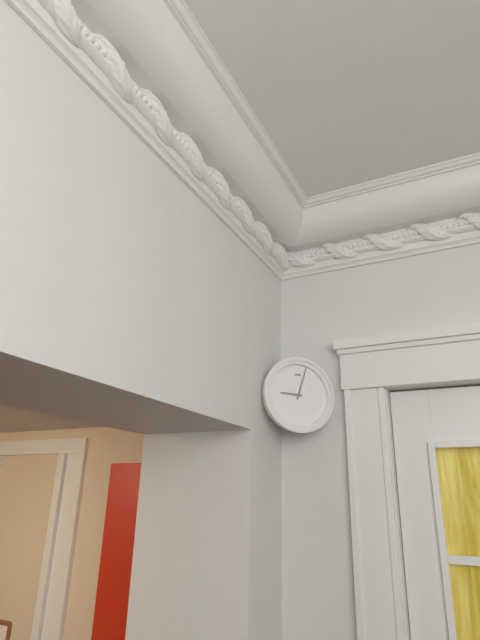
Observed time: 9h03
